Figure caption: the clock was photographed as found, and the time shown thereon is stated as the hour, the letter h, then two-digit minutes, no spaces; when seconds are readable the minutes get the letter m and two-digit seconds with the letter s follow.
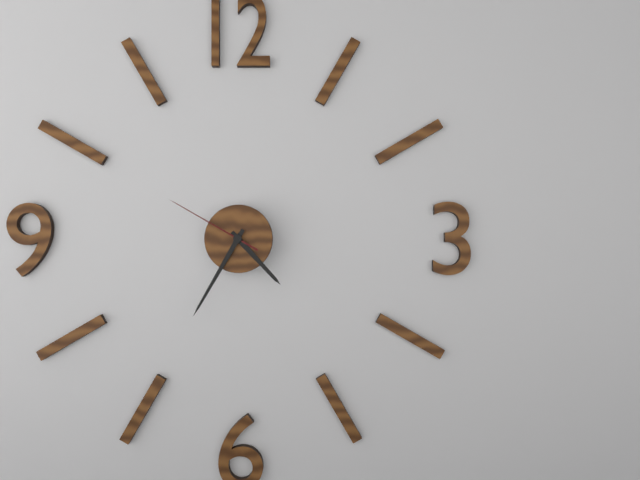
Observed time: 4h35m50s
